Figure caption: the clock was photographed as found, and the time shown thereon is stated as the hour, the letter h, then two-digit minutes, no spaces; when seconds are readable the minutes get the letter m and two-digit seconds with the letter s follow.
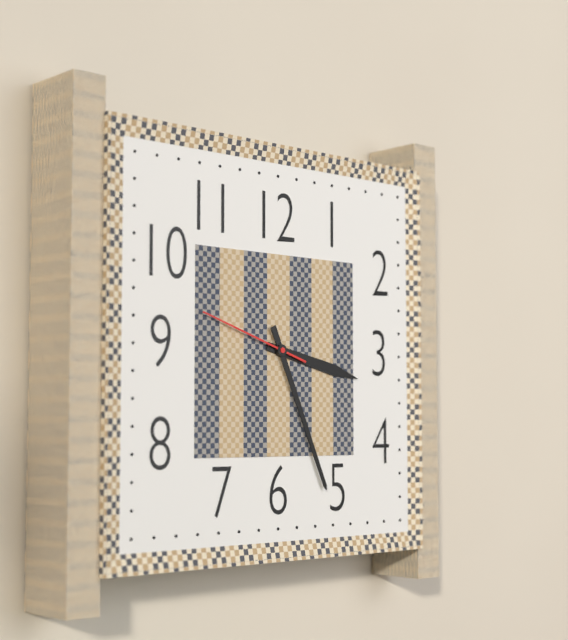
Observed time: 3h26m48s
